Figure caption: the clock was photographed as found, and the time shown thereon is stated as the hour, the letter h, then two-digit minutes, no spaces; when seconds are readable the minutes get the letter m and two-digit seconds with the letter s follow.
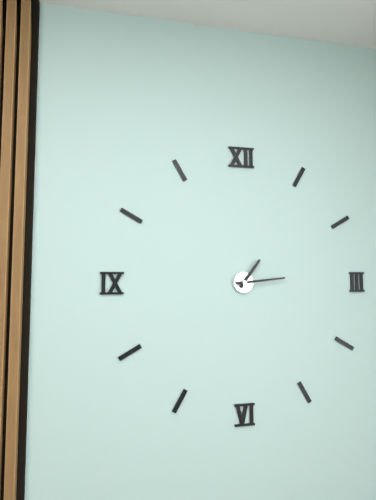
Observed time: 1h14
